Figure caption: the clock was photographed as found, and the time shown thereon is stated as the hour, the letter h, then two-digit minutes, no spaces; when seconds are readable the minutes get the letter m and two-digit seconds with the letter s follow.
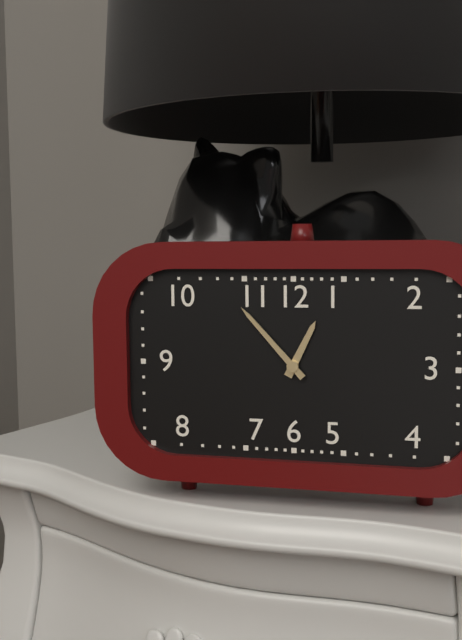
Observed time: 12h53
